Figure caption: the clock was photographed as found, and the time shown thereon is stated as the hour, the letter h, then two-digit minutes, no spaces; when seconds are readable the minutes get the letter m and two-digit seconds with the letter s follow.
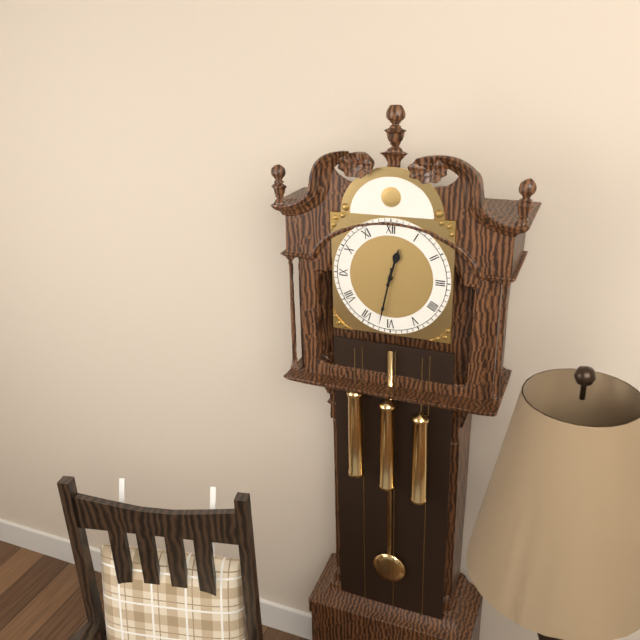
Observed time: 12h32
